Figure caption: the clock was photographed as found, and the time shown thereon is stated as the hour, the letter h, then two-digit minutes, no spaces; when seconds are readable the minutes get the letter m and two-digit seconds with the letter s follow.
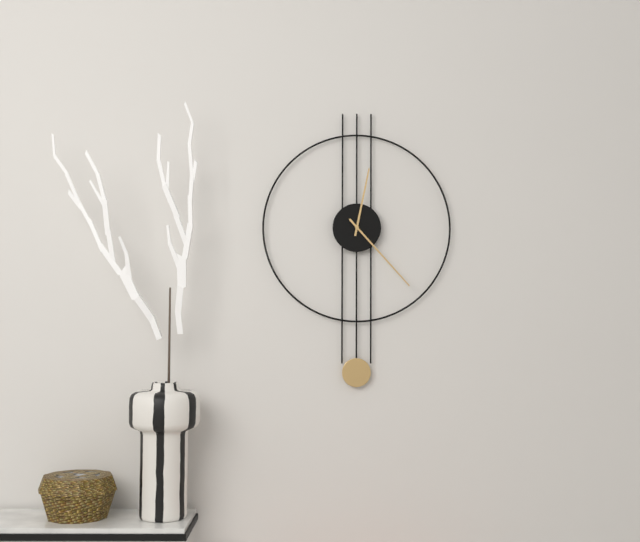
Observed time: 12h23
